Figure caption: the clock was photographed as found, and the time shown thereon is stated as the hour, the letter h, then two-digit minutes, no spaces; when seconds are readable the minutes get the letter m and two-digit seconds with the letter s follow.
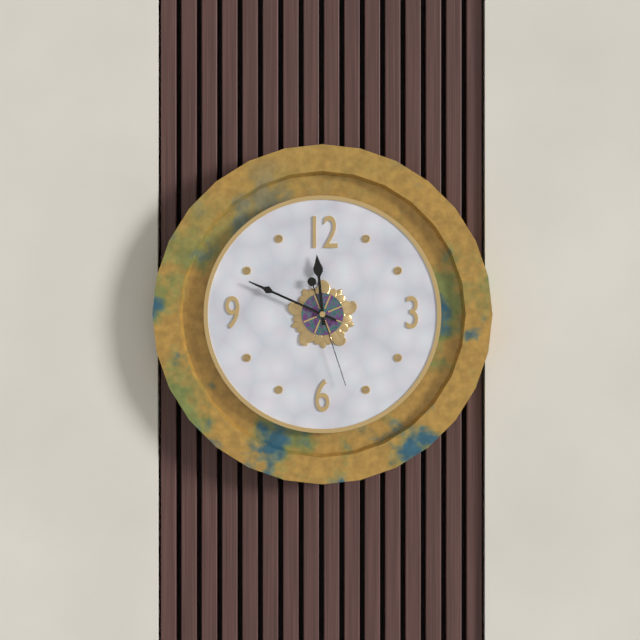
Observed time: 11h49m27s
